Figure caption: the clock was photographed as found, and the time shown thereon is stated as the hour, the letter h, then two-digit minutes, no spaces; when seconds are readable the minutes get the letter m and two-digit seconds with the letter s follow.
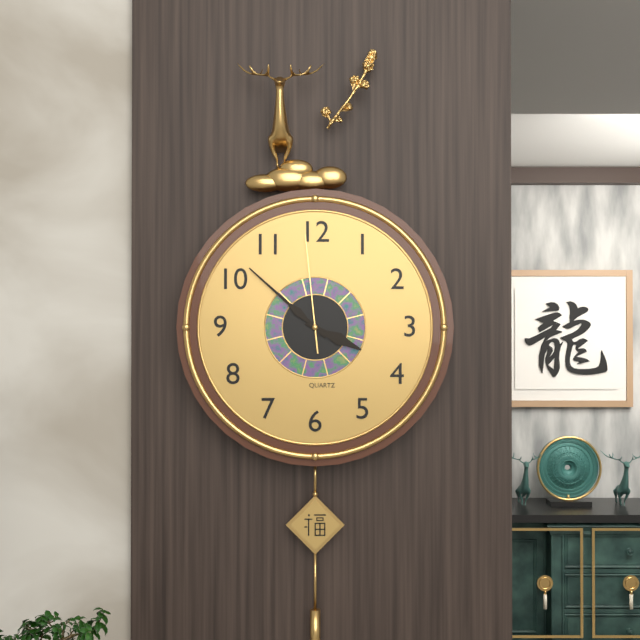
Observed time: 3h52m59s
